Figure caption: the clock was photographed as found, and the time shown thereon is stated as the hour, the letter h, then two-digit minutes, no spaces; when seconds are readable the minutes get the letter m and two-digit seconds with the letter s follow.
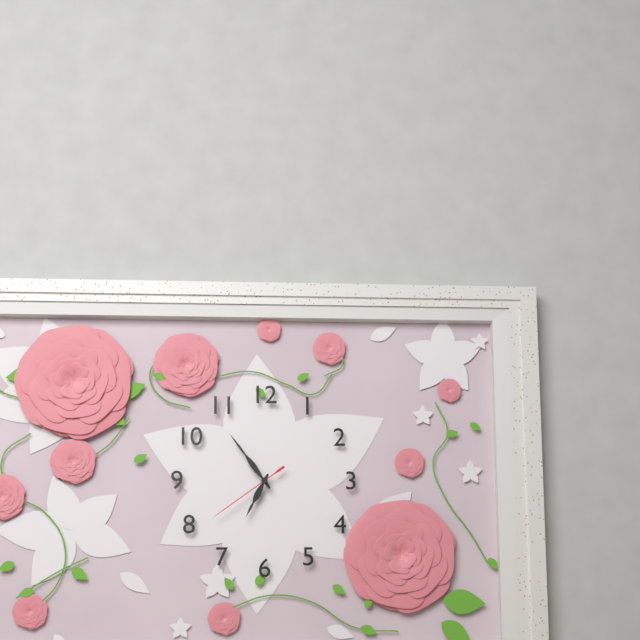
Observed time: 6h54m39s
